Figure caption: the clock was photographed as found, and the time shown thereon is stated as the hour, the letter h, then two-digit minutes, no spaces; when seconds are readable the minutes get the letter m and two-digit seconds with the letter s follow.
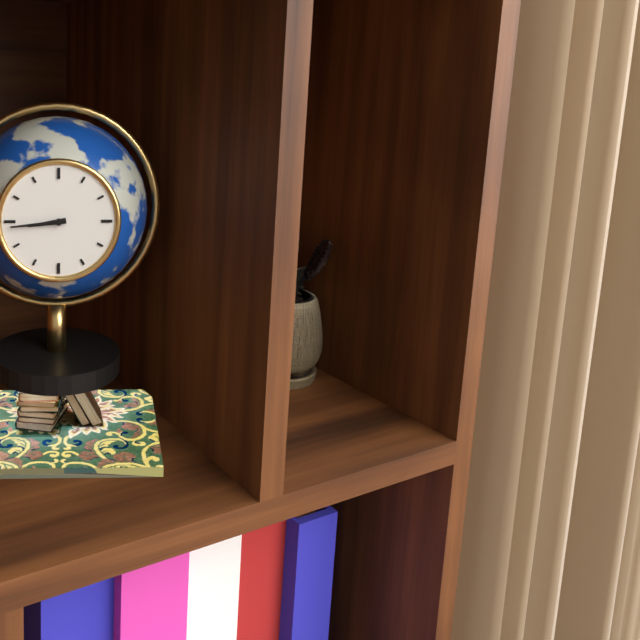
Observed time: 8h44
